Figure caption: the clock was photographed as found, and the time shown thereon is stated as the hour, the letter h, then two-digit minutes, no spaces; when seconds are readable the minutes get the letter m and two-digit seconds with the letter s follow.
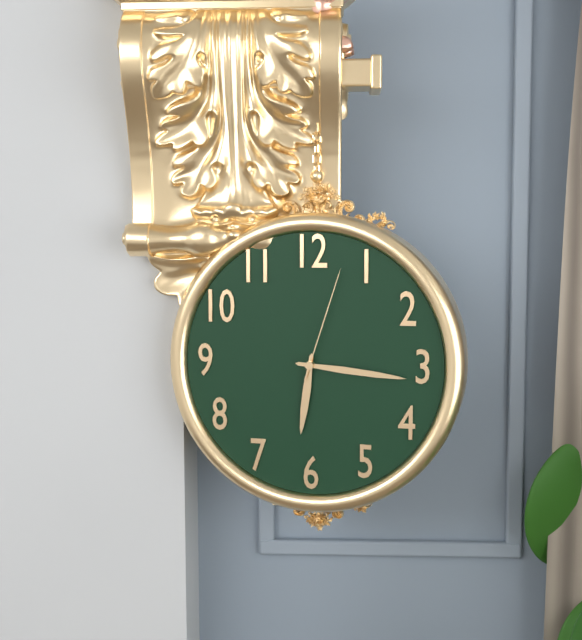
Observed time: 6h16m03s
